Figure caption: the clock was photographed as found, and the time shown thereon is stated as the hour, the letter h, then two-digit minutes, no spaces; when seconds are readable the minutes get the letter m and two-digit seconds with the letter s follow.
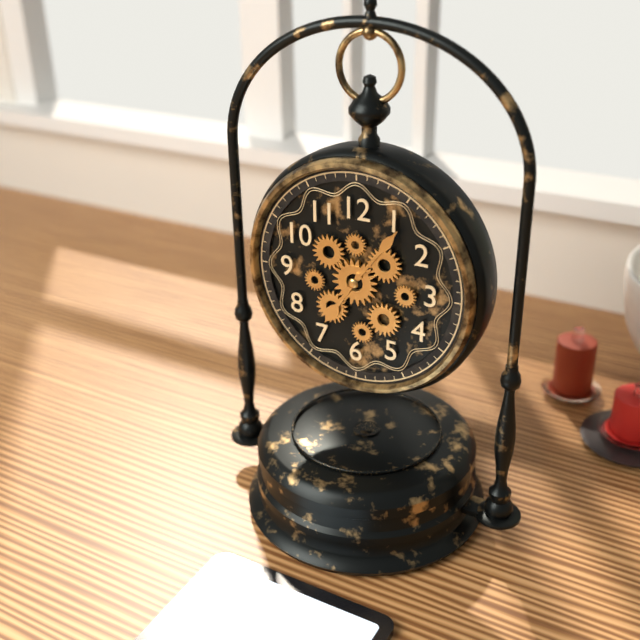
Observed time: 7h06
